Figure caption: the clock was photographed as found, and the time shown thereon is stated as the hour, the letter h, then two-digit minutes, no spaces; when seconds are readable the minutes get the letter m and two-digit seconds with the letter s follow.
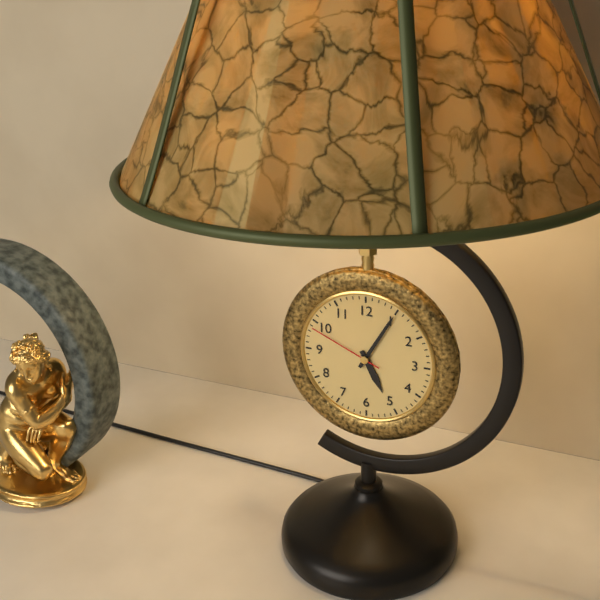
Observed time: 5h05m49s
